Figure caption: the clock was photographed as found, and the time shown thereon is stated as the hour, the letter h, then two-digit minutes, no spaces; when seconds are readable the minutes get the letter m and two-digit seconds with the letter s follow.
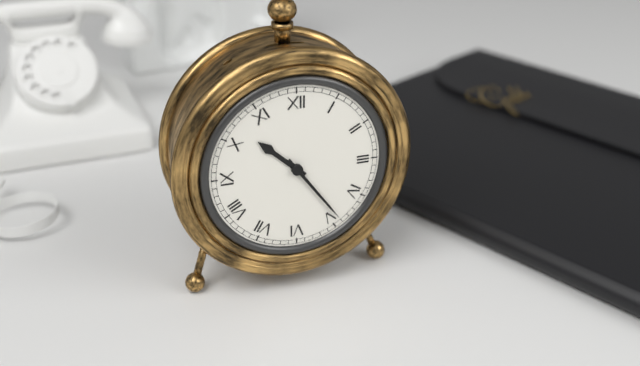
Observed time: 10h24
